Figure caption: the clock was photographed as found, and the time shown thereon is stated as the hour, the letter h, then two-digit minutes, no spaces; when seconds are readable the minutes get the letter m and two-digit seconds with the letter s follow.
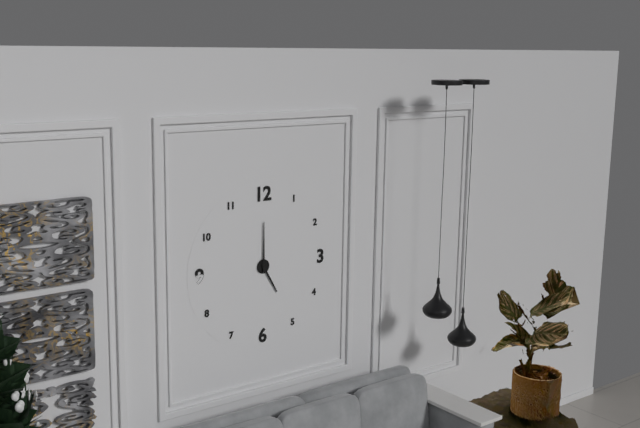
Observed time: 5h00
